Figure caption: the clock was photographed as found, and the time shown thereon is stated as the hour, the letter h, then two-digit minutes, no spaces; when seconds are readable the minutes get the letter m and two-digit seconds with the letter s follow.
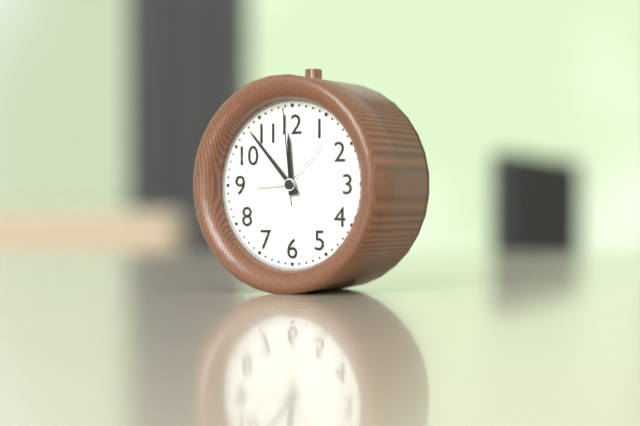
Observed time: 11h53m59s
